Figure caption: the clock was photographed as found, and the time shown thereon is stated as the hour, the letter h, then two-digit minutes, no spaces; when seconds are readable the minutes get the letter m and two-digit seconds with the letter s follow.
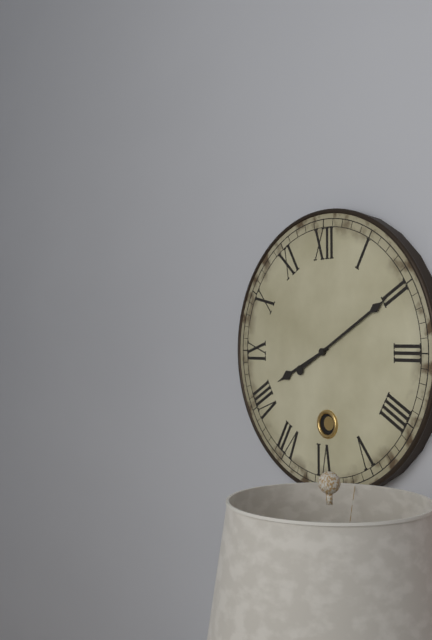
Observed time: 8h10
